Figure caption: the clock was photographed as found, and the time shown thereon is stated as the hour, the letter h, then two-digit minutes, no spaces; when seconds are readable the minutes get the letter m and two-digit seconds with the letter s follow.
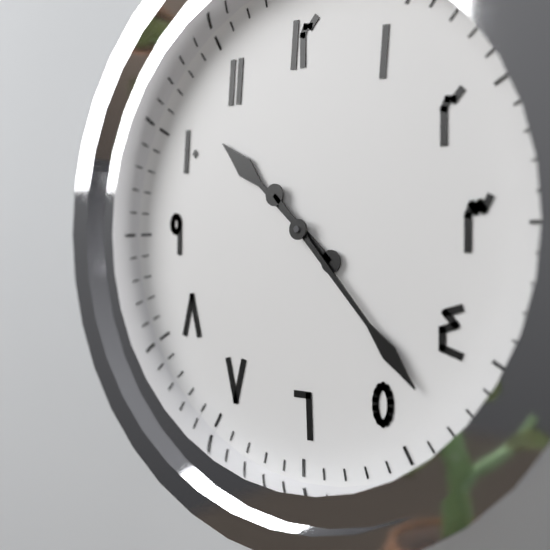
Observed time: 10h23
